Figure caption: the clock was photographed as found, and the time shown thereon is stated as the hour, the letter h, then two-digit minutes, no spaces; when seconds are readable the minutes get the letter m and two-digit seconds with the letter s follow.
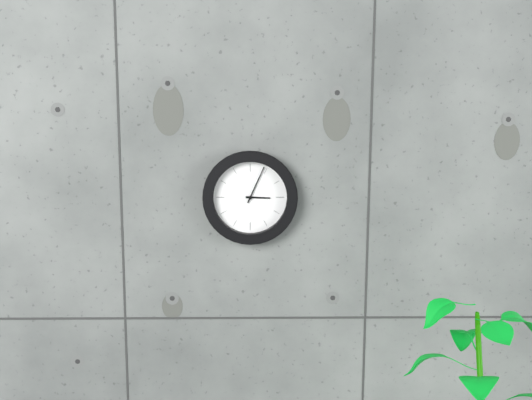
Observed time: 3h04
